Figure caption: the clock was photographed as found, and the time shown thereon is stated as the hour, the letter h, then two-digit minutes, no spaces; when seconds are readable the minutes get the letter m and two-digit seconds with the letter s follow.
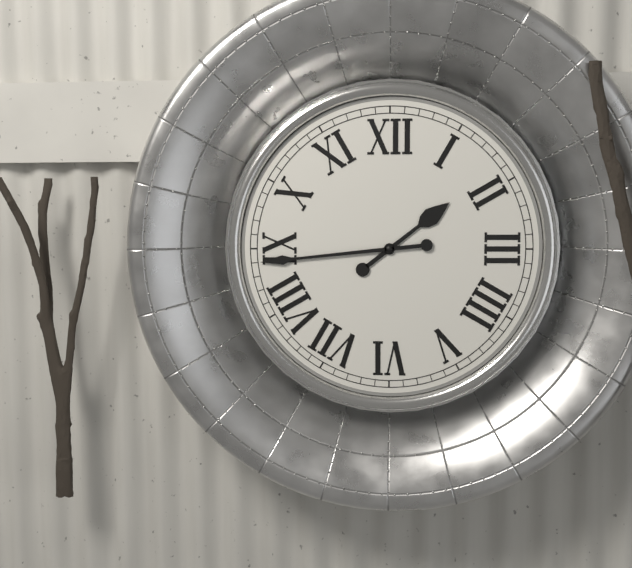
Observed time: 1h44
